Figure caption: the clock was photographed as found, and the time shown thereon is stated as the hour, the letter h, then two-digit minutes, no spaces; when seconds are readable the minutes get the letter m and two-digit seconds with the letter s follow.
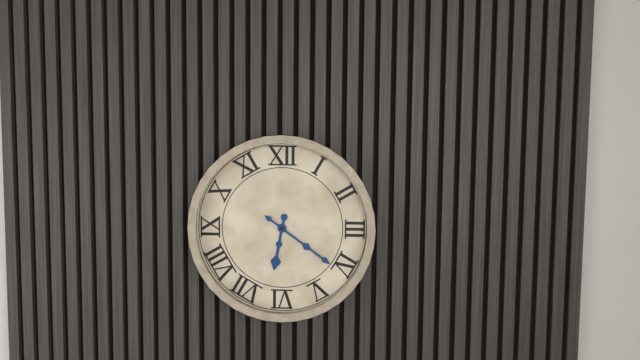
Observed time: 6h21
